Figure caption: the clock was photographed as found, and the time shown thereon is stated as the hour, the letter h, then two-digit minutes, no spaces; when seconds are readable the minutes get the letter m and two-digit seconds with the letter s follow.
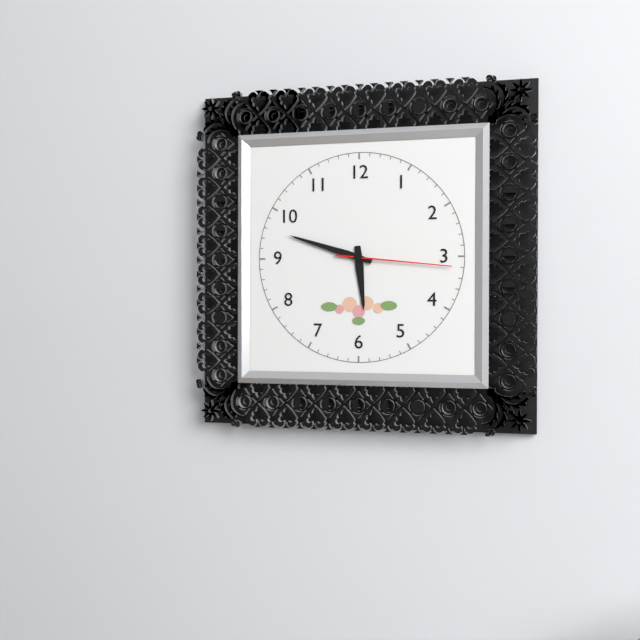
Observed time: 5h48m16s
